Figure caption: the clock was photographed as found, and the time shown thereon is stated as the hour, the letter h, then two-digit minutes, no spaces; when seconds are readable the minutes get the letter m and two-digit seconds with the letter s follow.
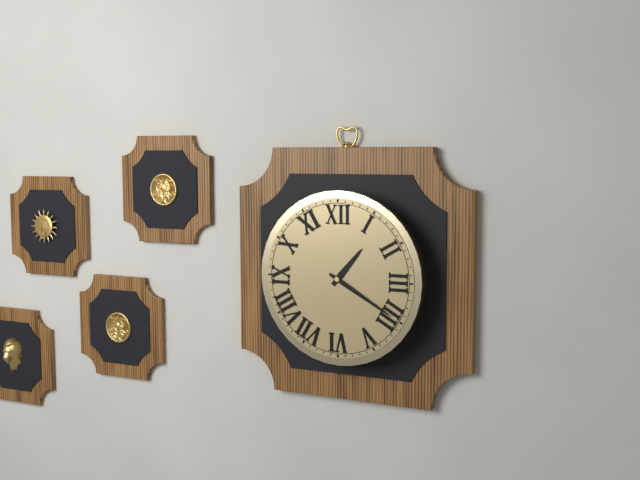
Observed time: 1h20
